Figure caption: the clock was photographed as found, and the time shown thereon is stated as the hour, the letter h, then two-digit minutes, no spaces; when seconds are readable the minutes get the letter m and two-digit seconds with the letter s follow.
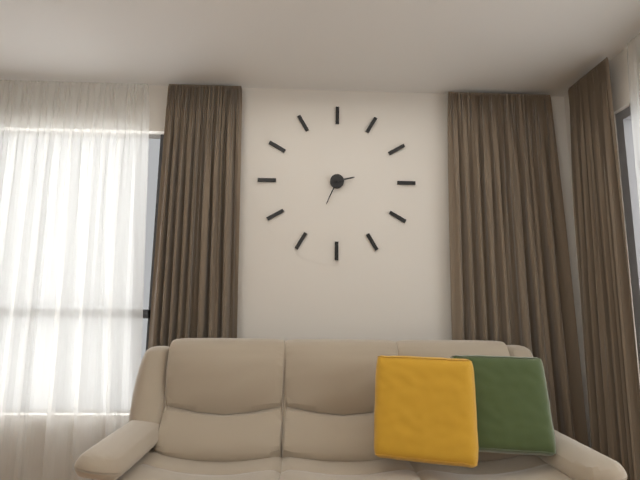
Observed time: 2h34
